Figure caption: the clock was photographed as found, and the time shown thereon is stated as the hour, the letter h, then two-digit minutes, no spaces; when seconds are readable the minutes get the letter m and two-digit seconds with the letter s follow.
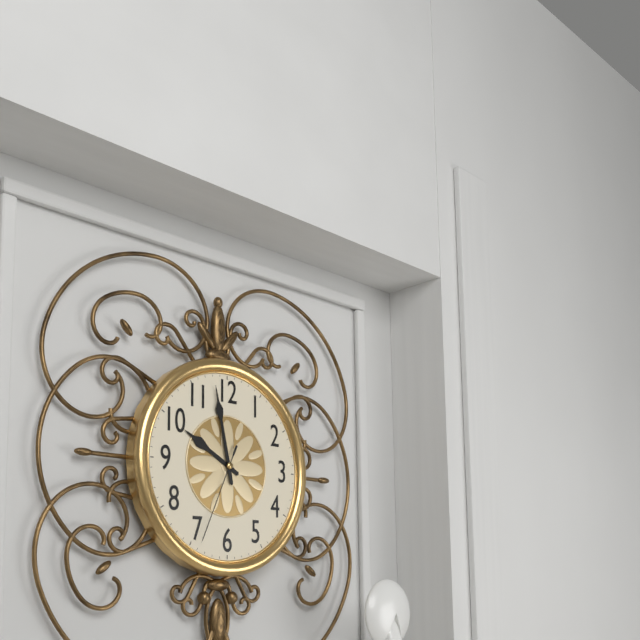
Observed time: 9h58m34s
